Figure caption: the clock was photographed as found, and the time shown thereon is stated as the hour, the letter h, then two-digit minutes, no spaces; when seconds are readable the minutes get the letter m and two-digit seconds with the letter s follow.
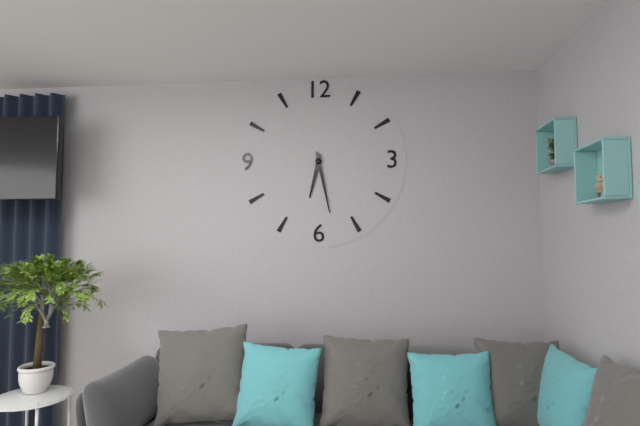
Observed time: 6h28
